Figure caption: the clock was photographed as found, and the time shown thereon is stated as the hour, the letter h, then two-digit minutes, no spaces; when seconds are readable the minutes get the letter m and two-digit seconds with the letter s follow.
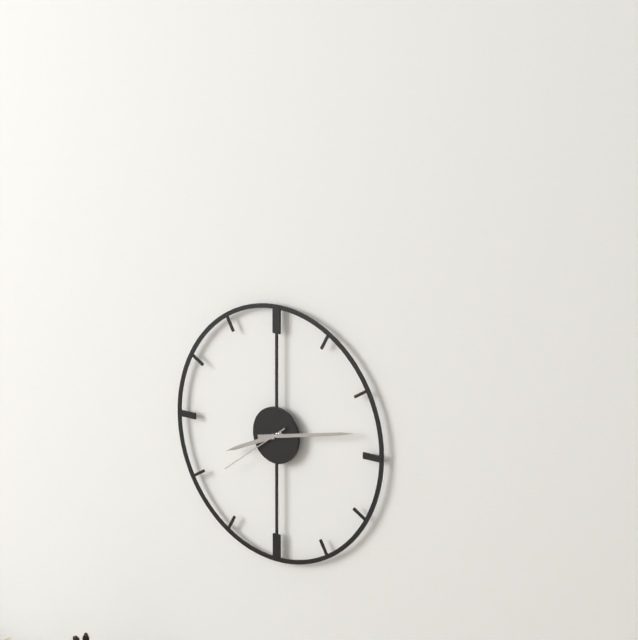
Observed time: 8h13m39s
